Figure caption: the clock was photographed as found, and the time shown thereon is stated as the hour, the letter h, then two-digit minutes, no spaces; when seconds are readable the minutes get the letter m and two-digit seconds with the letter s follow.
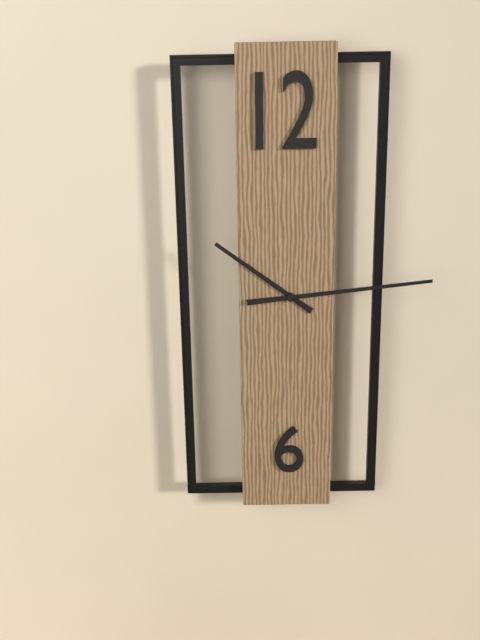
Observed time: 10h14
